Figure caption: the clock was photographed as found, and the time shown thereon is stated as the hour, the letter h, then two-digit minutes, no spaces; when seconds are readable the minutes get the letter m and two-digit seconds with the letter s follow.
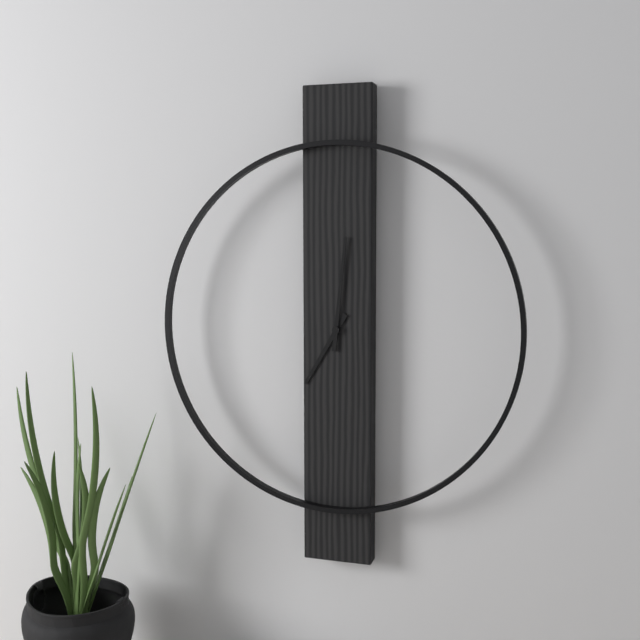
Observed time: 7h01
